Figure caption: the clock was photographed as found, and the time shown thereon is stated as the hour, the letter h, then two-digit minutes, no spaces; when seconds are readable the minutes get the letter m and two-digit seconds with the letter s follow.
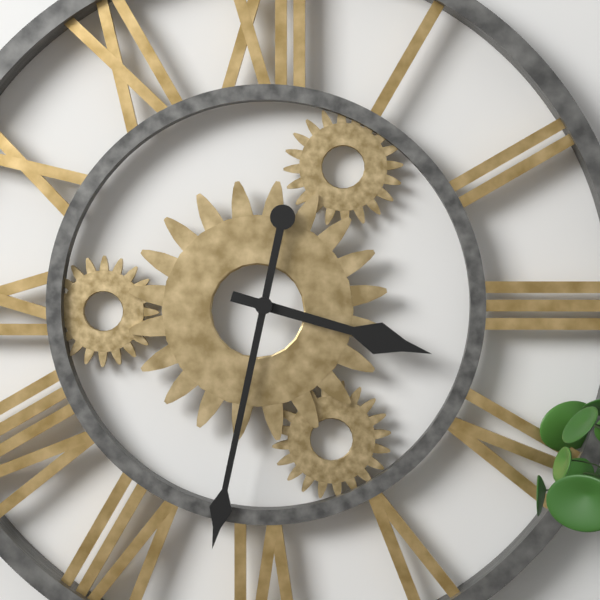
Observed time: 3h32
